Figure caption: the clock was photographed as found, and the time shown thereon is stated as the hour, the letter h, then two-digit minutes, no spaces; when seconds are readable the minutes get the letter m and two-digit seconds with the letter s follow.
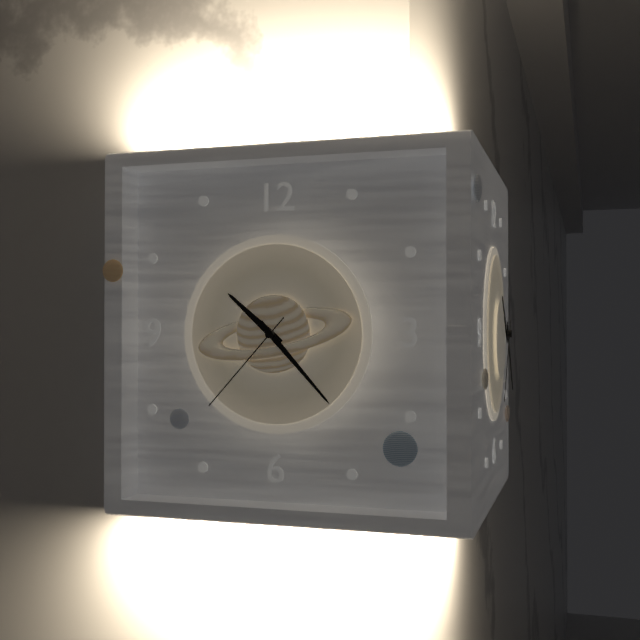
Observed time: 10h23m37s
